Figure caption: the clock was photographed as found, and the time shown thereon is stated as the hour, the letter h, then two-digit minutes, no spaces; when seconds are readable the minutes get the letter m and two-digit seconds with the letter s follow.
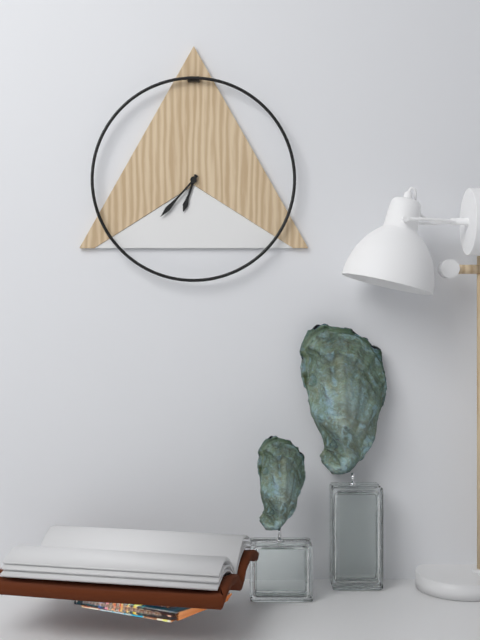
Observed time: 6h37
